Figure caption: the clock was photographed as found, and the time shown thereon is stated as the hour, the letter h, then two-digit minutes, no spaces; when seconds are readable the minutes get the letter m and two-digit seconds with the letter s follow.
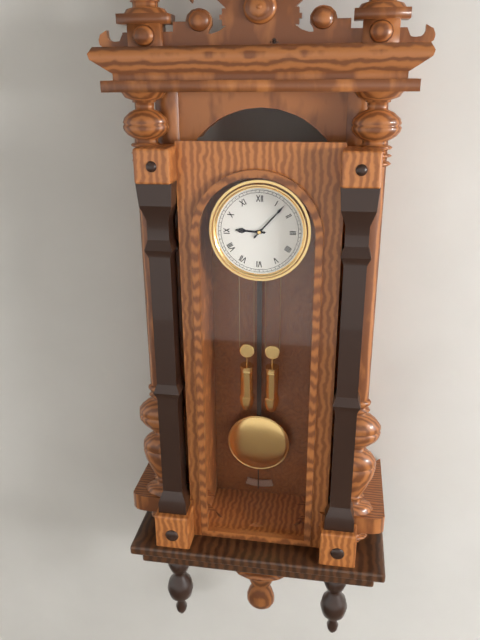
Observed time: 9h07
